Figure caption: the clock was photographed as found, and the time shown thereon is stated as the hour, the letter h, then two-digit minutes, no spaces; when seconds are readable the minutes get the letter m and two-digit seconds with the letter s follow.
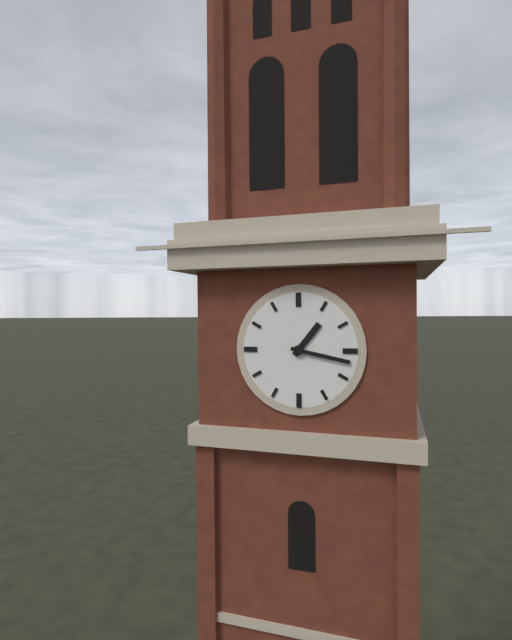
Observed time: 1h17
